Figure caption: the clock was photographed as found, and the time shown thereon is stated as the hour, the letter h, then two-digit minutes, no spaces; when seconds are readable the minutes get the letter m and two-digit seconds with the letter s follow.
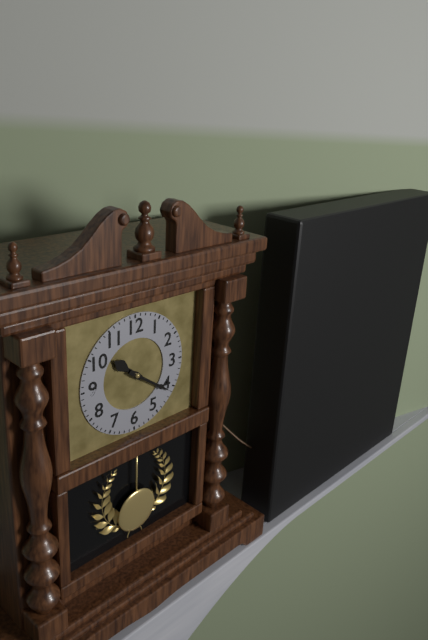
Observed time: 10h21
